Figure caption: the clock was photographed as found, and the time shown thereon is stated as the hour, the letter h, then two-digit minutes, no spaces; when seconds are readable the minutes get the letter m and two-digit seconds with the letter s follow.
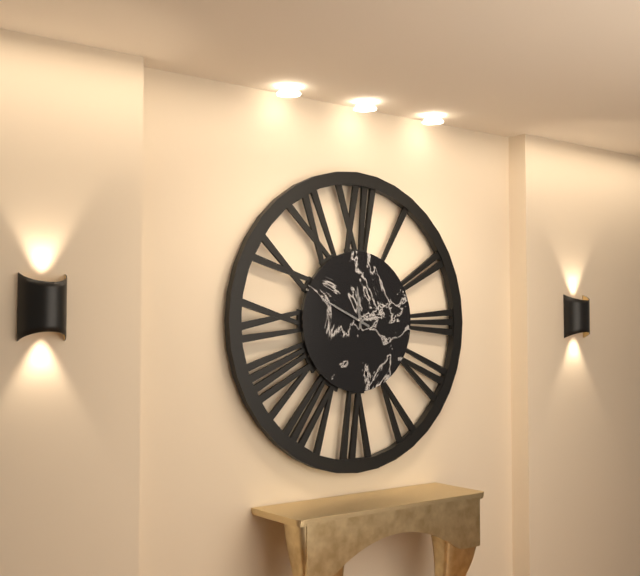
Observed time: 11h49
